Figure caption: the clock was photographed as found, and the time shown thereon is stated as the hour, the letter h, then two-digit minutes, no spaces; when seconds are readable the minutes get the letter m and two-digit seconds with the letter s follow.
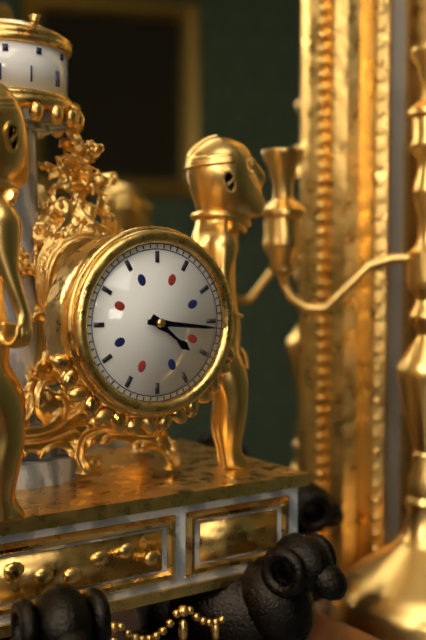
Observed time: 4h16
